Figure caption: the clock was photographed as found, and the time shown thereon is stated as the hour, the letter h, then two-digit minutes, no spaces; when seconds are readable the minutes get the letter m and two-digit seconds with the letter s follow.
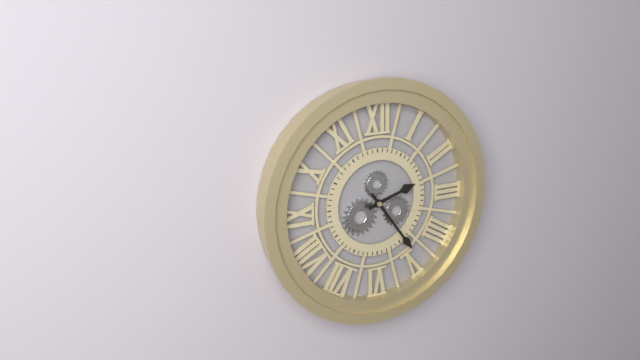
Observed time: 2h24
